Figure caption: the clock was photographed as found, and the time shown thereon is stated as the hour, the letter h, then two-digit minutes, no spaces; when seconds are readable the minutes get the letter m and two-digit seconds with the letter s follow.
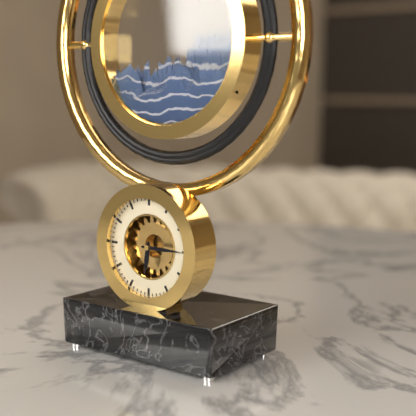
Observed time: 6h15
